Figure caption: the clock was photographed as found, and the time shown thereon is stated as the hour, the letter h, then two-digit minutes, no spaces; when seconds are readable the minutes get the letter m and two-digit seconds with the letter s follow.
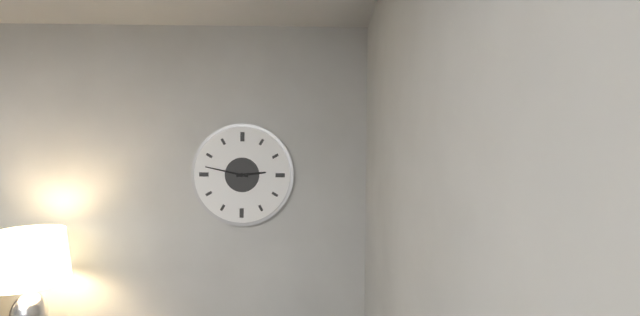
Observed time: 2h47
